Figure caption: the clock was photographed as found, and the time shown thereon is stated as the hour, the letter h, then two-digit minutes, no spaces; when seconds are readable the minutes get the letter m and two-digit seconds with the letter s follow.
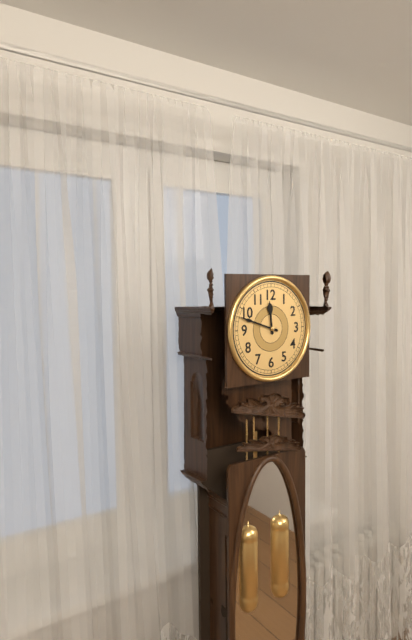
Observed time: 11h48
